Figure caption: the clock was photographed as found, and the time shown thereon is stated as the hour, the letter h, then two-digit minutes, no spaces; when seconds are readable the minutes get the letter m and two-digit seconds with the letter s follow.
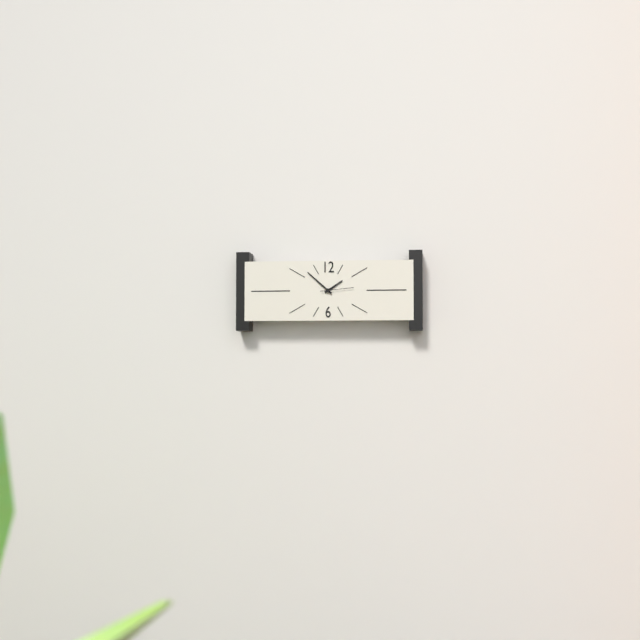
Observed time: 1h52
